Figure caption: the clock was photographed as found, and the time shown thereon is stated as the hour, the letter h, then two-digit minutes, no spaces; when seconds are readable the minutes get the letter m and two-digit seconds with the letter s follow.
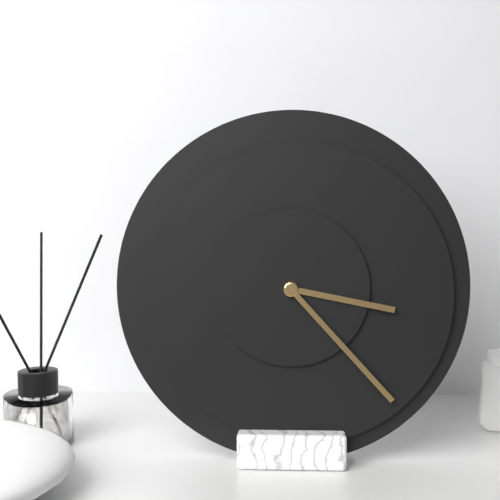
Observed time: 3h23
